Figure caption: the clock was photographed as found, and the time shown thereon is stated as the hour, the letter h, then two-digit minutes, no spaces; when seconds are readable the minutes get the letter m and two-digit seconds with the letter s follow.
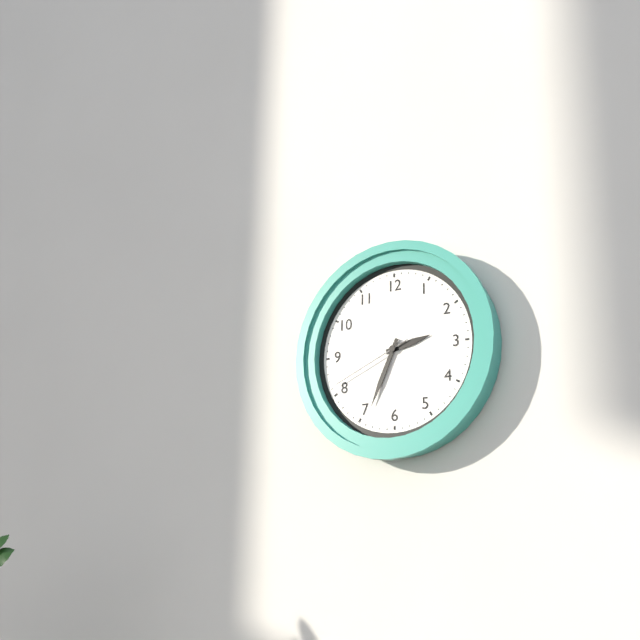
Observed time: 2h34m41s
